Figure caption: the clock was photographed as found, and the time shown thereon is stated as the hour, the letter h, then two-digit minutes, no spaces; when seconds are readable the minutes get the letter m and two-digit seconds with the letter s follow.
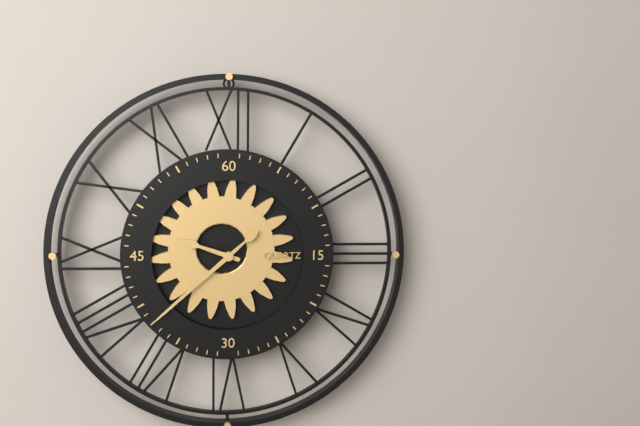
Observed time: 9h38
